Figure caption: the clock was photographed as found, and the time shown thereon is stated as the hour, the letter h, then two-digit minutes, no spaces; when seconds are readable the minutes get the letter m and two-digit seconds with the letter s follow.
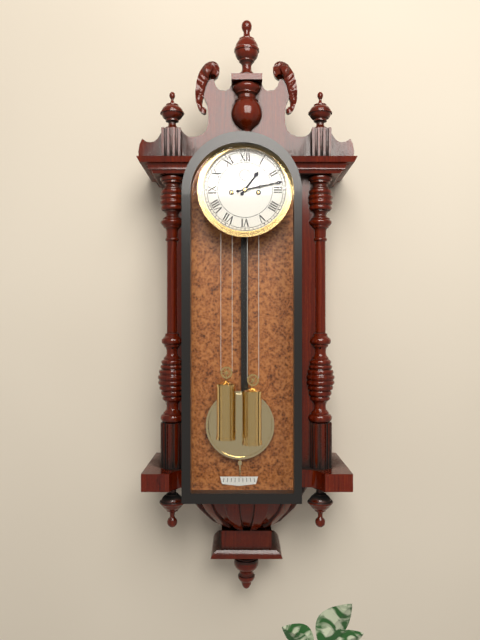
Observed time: 1h13
